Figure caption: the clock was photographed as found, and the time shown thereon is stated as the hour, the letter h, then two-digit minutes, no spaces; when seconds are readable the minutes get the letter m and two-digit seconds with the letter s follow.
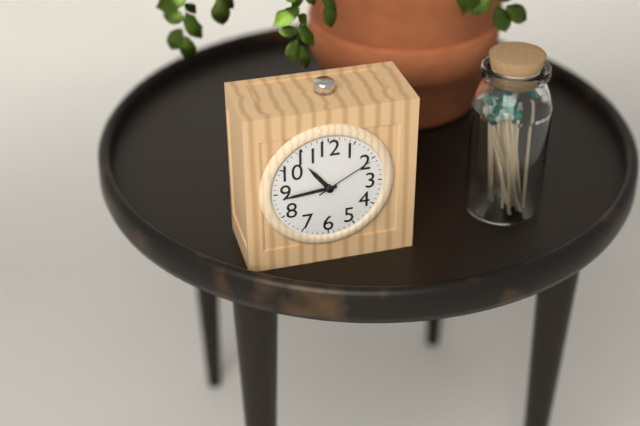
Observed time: 10h44m10s
